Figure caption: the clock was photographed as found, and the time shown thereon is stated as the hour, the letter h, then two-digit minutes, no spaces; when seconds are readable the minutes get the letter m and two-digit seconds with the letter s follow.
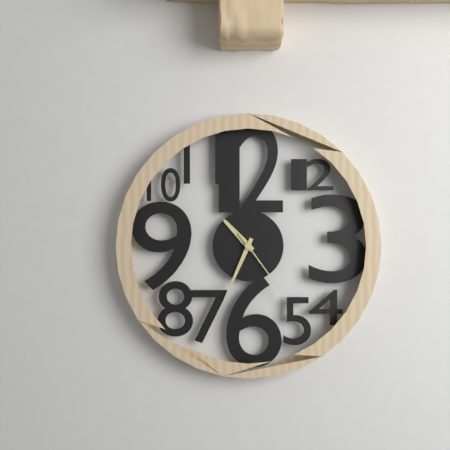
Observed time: 10h34m24s
